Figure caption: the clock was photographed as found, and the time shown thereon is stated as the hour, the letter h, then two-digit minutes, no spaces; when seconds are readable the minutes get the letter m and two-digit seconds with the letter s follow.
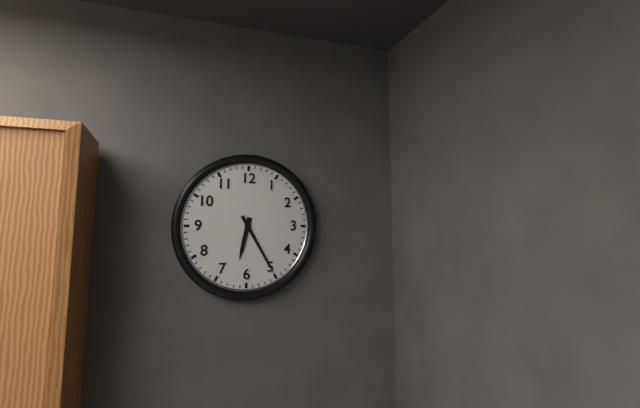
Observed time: 6h25
